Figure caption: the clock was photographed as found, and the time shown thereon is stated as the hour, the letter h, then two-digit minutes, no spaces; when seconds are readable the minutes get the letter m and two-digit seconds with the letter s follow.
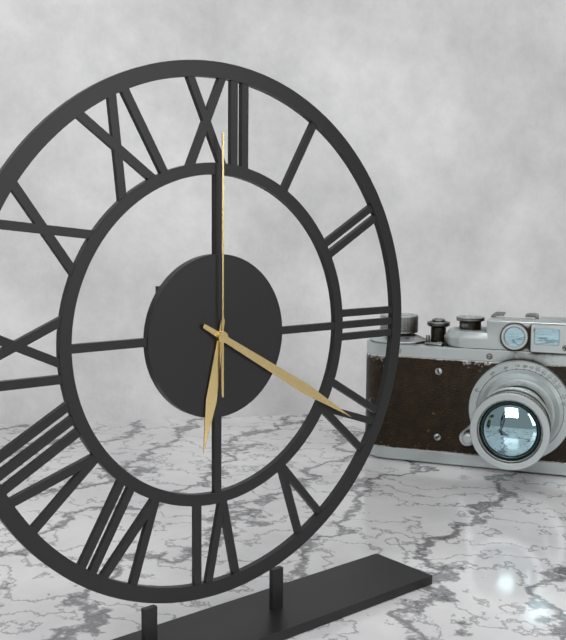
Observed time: 6h20m00s
